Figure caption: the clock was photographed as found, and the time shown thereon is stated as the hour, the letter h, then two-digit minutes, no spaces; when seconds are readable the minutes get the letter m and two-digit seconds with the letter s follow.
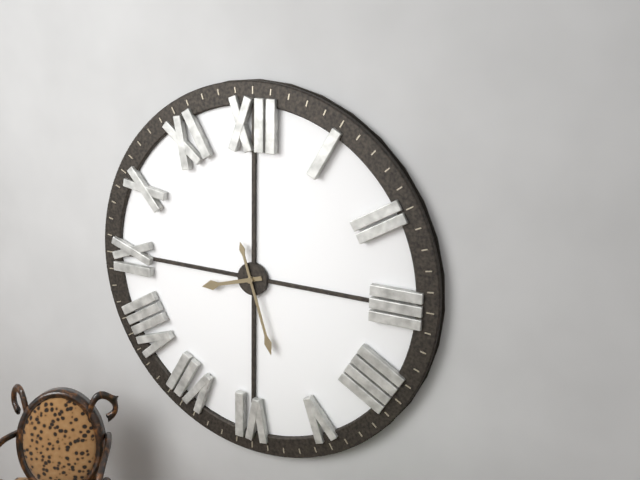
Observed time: 8h27
